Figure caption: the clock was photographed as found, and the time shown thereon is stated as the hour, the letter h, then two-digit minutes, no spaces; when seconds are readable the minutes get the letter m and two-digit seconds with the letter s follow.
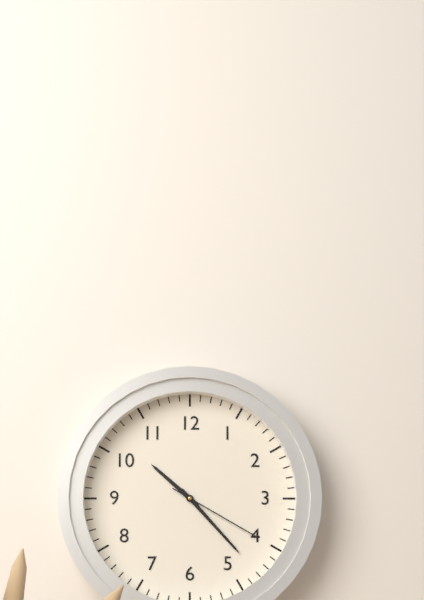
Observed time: 10h23m20s
